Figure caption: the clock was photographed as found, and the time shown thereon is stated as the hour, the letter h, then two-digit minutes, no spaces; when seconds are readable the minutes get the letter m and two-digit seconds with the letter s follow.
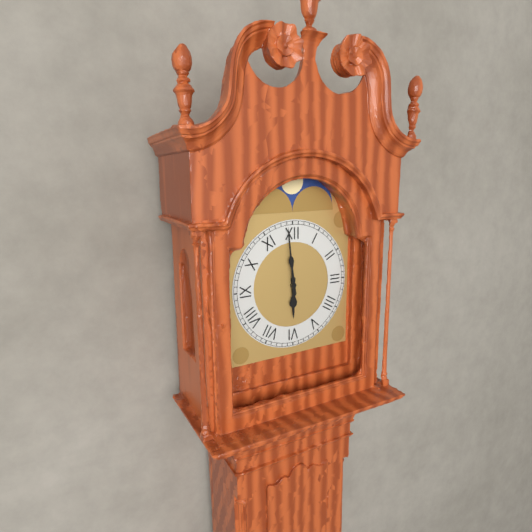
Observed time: 5h59
